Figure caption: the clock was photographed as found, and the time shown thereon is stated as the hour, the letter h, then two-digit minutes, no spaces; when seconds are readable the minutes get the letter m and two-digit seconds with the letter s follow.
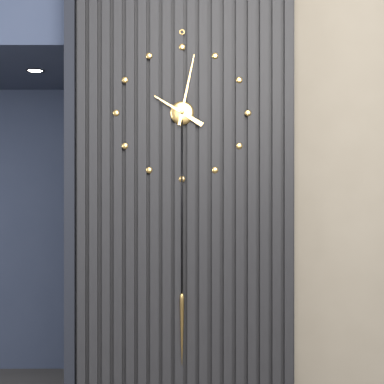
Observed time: 10h02
